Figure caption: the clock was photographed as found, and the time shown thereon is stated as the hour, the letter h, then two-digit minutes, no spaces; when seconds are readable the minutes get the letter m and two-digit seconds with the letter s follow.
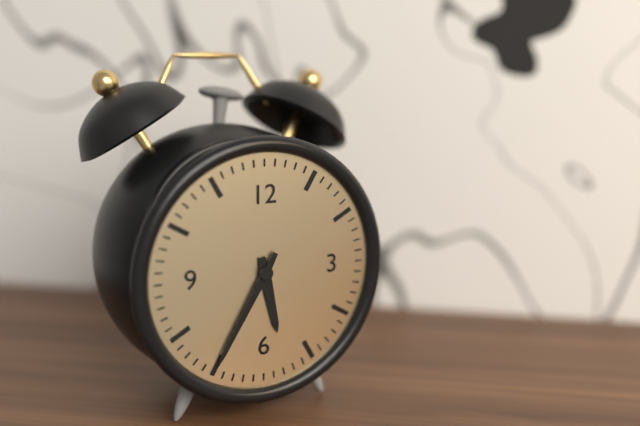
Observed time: 5h35
